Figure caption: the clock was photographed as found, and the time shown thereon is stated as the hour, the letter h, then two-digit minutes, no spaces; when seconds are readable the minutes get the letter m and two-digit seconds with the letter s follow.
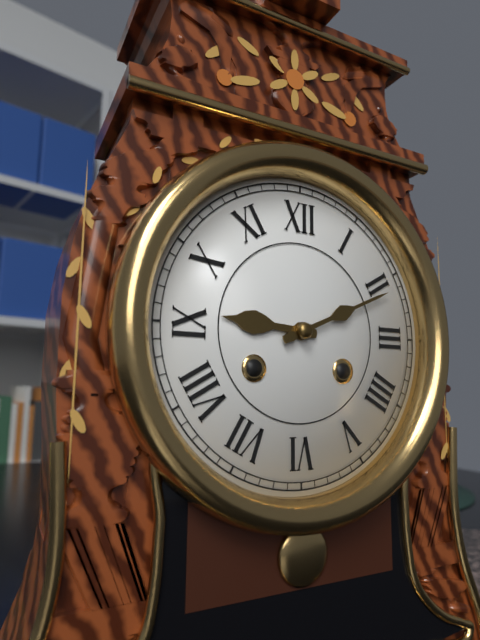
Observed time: 9h11
